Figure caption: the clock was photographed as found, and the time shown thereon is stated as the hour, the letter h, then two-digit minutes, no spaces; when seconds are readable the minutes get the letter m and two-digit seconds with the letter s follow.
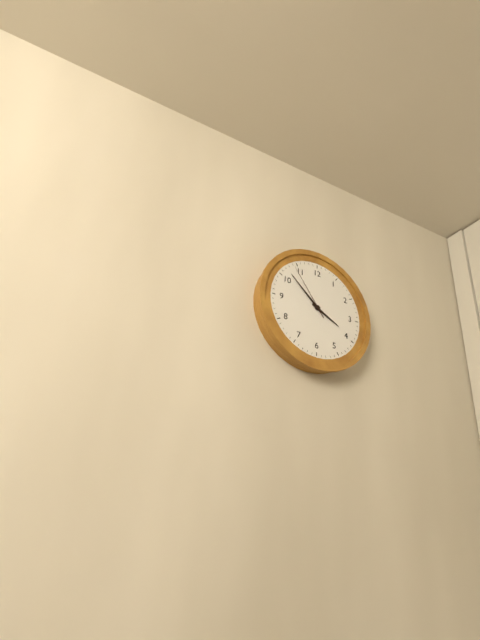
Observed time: 3h52m54s
